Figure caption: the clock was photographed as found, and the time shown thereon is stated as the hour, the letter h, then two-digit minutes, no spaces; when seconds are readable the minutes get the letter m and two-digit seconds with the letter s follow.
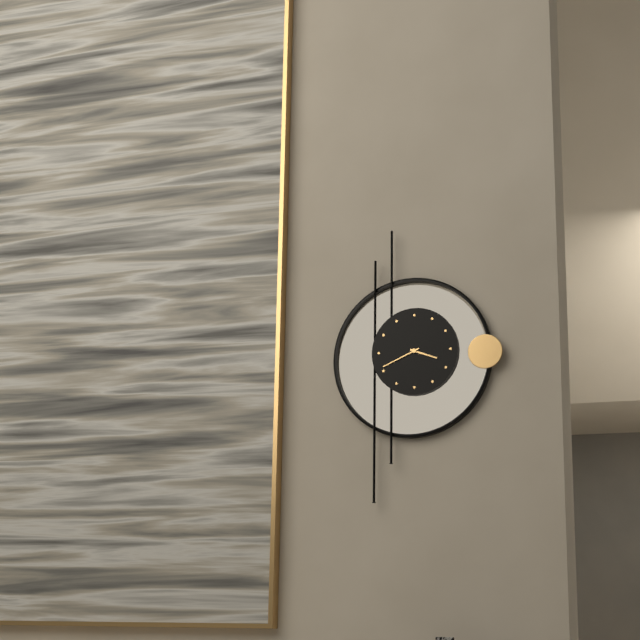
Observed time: 3h41
